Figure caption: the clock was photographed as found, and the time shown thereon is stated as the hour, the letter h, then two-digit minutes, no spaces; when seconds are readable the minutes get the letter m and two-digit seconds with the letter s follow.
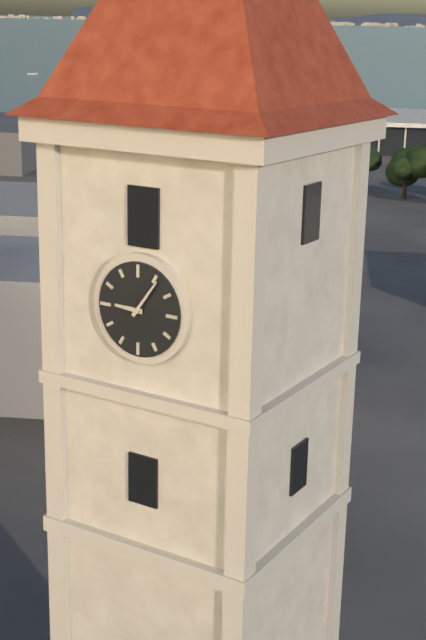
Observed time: 9h06
